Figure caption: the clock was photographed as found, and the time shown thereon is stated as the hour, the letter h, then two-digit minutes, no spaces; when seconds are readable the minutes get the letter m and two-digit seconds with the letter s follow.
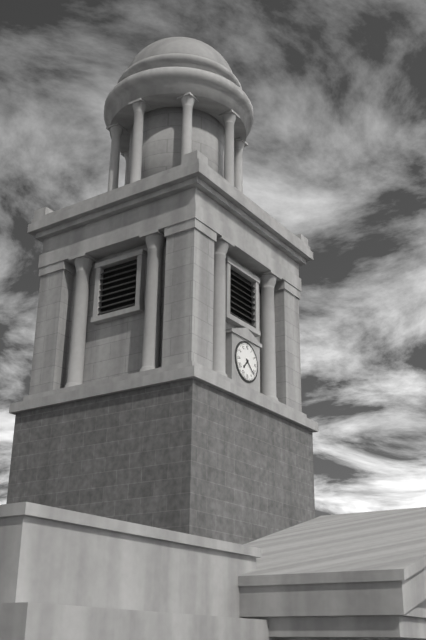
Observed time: 7h22
